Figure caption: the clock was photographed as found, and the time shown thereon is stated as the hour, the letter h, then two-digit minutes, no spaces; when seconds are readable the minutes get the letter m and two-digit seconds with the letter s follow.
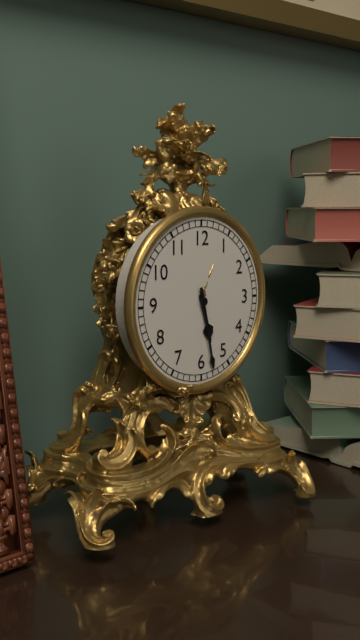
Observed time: 5h28
